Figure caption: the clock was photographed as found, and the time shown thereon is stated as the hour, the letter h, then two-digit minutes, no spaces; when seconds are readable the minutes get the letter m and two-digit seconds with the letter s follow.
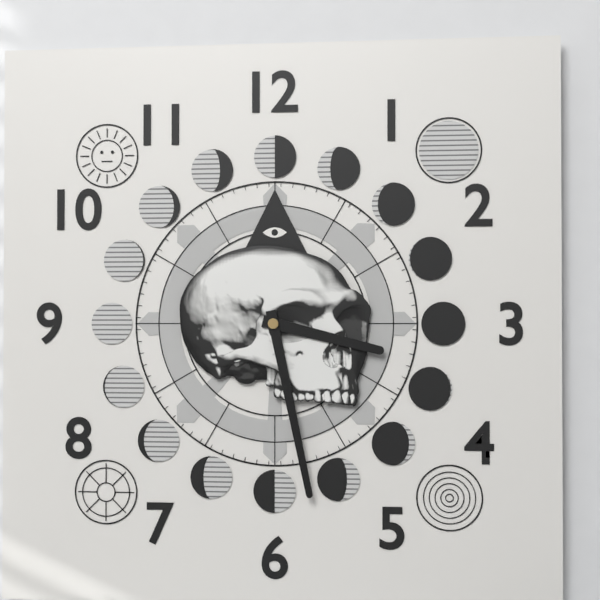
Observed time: 3h28
